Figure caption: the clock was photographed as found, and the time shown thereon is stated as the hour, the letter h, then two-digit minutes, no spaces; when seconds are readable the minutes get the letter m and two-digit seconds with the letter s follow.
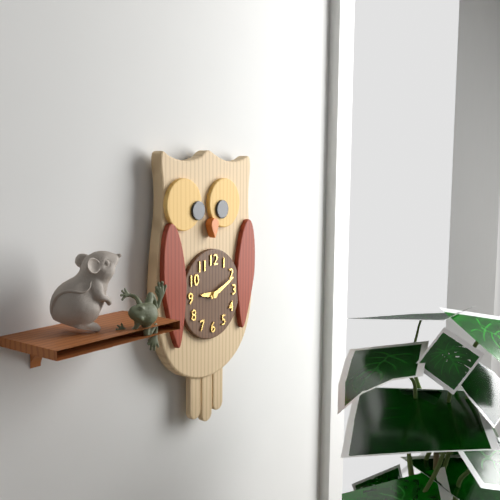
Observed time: 9h11
